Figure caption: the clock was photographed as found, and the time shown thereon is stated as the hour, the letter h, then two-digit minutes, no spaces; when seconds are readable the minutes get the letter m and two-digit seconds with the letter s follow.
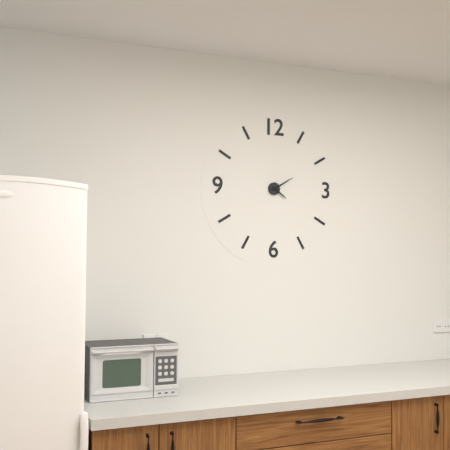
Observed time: 4h10
